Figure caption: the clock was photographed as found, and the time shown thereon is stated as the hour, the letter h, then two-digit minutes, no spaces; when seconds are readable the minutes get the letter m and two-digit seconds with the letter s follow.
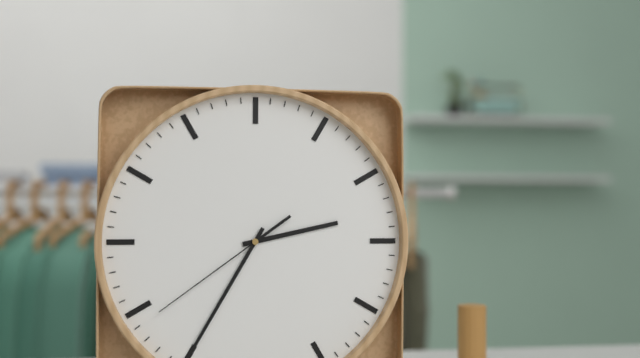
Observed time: 2h35m39s
